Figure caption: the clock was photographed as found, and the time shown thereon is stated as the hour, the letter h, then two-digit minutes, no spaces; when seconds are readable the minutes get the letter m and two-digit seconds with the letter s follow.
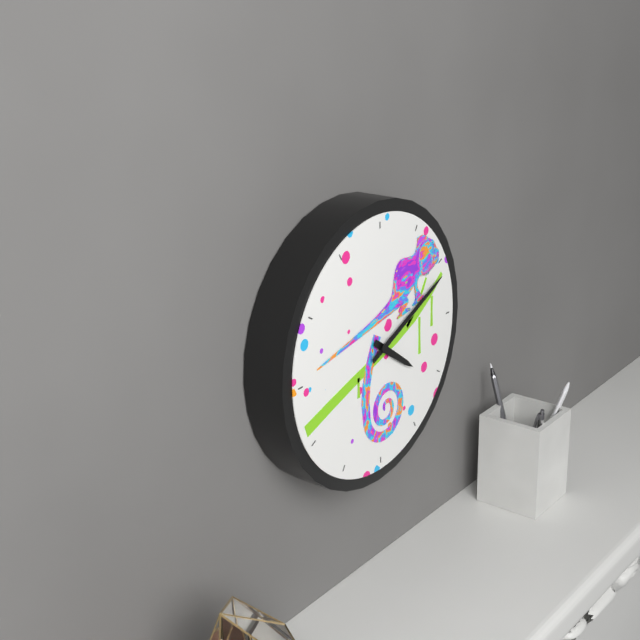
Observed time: 4h11
